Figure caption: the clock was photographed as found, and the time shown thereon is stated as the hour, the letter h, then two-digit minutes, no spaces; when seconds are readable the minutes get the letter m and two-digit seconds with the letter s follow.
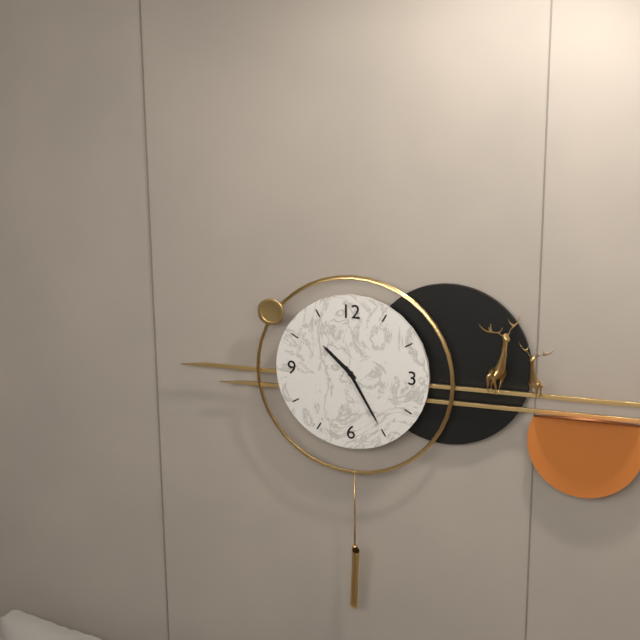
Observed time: 10h25
